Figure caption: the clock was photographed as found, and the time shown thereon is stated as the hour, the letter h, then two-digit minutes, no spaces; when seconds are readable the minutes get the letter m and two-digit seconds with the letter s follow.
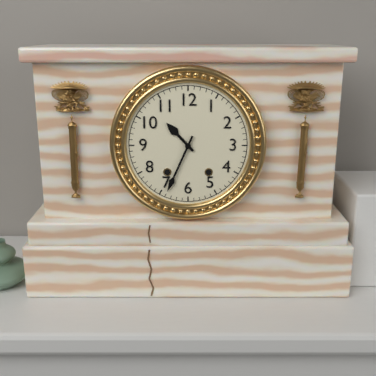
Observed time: 10h34
